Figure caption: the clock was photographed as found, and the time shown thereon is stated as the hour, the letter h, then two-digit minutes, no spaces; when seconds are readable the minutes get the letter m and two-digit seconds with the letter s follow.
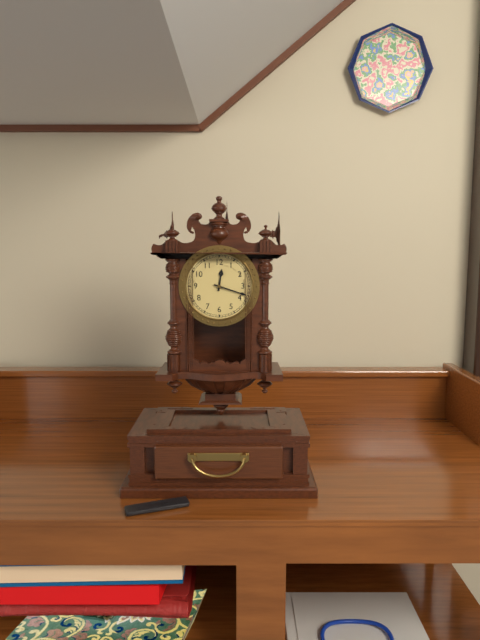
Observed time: 12h18
